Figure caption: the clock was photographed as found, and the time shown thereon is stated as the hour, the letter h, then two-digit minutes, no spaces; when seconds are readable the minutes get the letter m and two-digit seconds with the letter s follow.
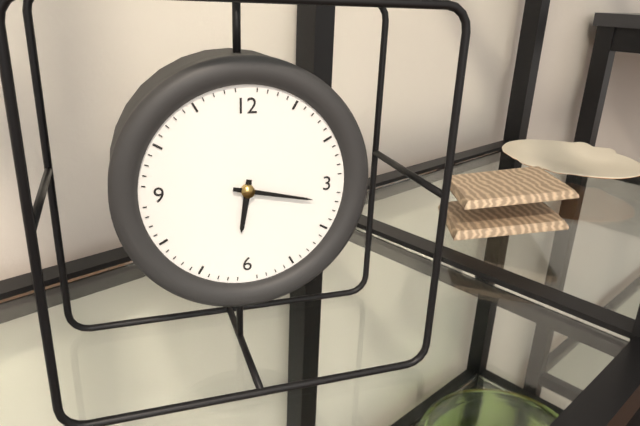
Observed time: 6h17
